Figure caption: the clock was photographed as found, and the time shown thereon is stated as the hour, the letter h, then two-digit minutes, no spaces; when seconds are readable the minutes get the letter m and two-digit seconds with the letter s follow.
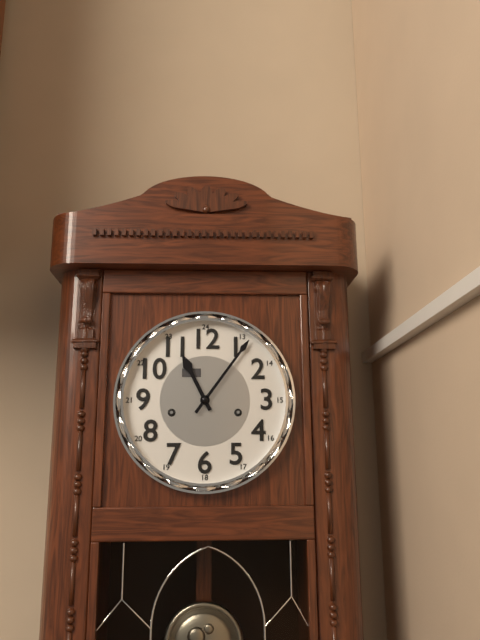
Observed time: 11h06
